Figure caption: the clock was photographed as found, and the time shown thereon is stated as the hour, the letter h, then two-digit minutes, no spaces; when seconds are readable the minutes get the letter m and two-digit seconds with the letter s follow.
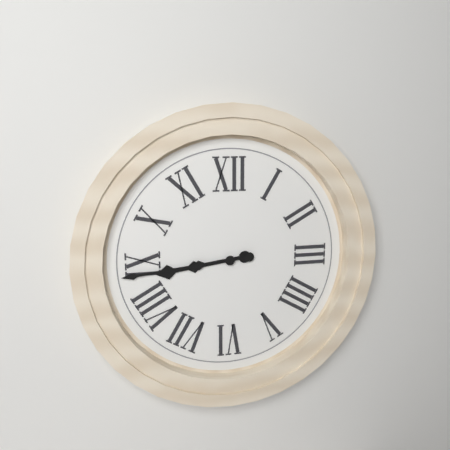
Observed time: 8h44
